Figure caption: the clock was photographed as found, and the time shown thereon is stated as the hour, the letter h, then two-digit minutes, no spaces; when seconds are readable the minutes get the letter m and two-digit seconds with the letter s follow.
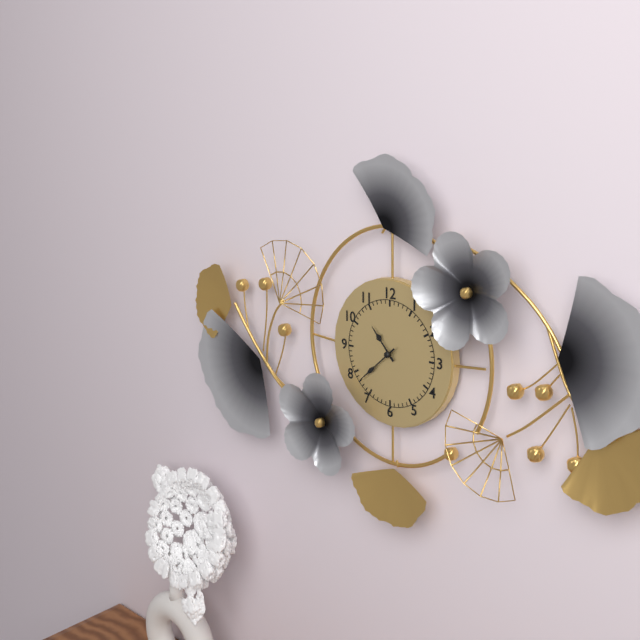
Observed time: 10h38
